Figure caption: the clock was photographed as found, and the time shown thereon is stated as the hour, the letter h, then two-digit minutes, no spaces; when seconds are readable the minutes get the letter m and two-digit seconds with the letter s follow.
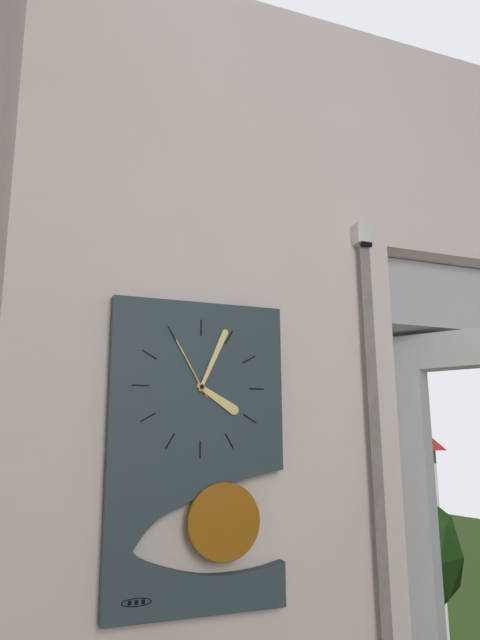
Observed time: 4h04m55s
